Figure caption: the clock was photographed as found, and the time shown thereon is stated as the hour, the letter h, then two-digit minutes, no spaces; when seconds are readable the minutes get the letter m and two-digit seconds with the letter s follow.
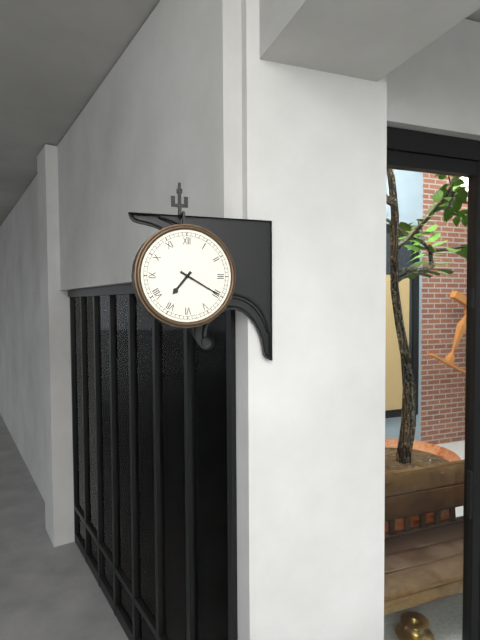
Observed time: 7h20
